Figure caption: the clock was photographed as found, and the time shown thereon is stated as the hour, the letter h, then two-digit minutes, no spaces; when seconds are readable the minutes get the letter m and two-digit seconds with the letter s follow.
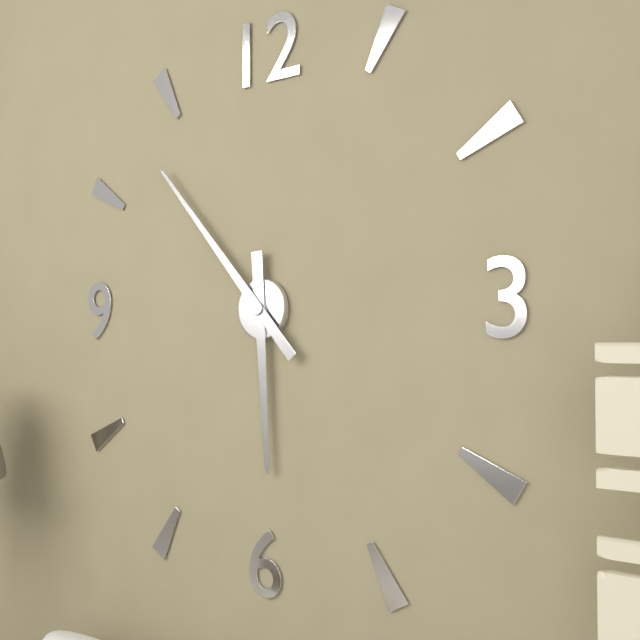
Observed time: 5h53
